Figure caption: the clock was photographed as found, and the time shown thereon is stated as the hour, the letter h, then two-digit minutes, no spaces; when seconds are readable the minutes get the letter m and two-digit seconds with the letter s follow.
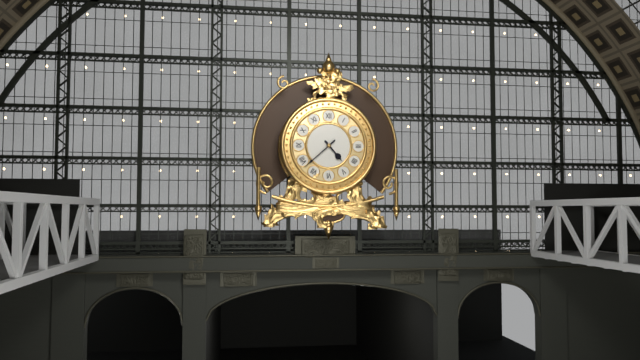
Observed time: 4h38
